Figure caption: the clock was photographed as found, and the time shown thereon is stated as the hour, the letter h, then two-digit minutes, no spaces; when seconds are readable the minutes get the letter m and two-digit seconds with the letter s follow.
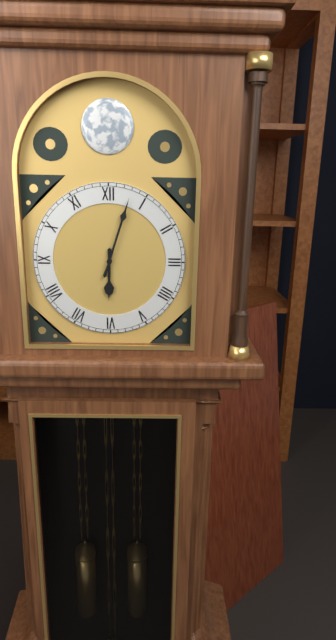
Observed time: 6h03
